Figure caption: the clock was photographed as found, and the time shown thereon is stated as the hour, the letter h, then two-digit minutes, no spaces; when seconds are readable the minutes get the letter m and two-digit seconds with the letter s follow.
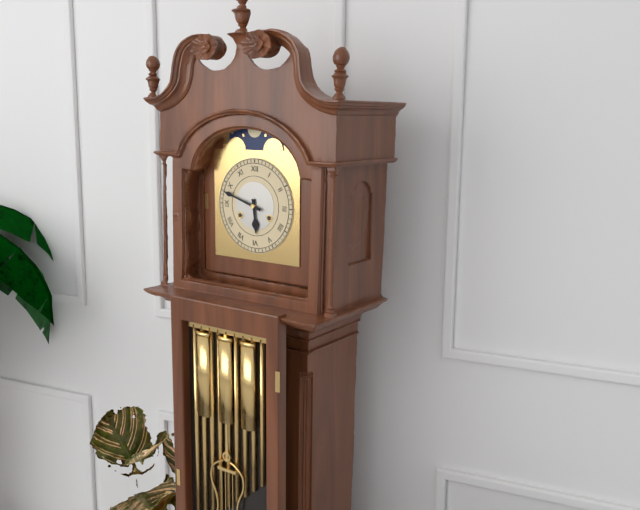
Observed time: 5h48
